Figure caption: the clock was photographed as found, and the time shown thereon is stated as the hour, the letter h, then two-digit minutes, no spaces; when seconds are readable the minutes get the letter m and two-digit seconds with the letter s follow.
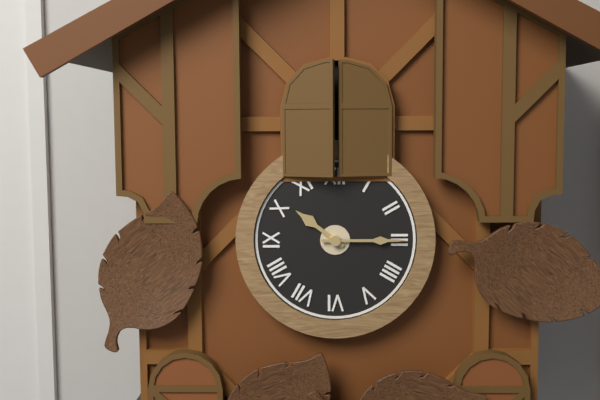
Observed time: 10h15
